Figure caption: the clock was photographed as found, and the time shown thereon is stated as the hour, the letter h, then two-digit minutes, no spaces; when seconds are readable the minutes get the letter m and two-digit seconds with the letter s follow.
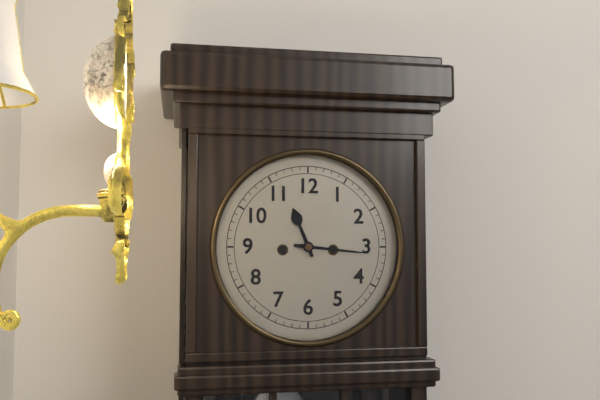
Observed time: 11h16
